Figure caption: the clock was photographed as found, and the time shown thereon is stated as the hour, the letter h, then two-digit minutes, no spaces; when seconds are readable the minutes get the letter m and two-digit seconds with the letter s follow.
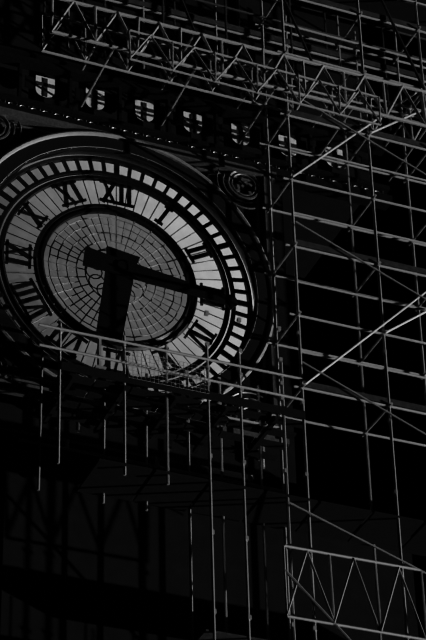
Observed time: 6h16
